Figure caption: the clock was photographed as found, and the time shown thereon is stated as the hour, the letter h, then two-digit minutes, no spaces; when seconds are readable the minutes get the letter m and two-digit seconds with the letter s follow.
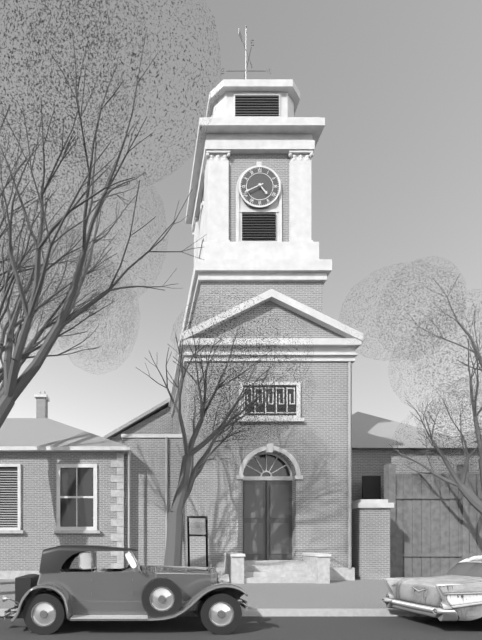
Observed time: 4h41
